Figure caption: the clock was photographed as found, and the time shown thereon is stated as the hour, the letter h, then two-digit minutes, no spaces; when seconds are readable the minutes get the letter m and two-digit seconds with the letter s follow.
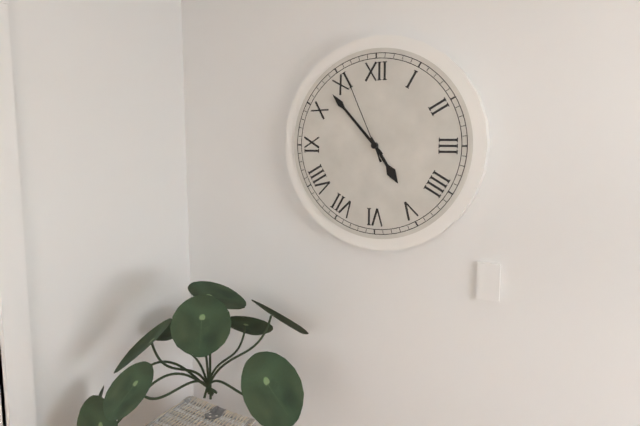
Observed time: 4h53m56s
